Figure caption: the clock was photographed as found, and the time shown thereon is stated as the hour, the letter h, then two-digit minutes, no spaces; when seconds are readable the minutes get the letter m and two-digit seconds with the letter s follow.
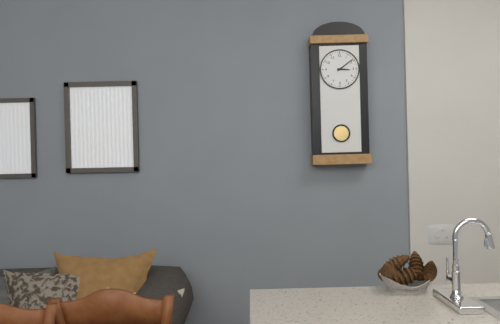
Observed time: 3h09
